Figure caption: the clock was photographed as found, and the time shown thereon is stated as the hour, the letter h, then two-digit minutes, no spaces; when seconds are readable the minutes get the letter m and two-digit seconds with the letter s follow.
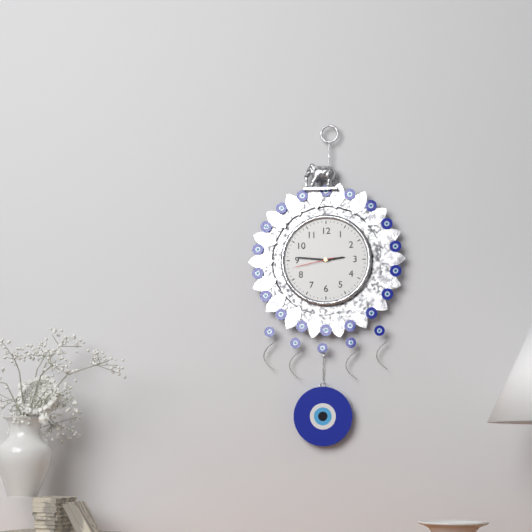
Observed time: 2h46
